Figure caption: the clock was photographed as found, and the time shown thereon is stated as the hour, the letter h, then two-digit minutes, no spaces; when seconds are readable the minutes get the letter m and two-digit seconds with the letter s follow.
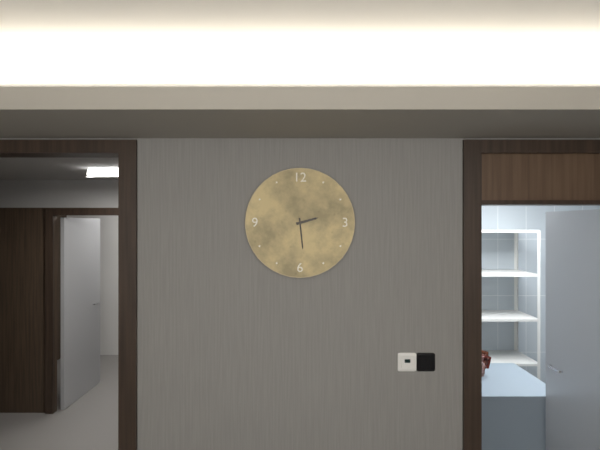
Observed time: 2h29
